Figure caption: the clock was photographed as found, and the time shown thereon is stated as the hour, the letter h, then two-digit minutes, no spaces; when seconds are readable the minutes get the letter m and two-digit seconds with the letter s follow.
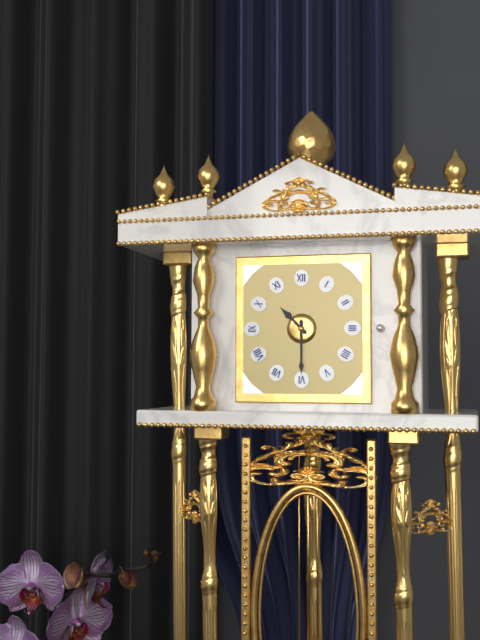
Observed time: 10h30
